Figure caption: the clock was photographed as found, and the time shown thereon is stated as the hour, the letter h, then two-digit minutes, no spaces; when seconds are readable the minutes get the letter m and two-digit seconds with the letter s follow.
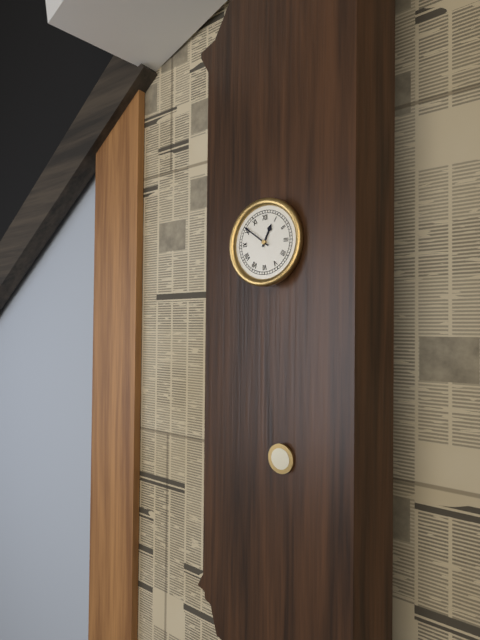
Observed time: 12h51
